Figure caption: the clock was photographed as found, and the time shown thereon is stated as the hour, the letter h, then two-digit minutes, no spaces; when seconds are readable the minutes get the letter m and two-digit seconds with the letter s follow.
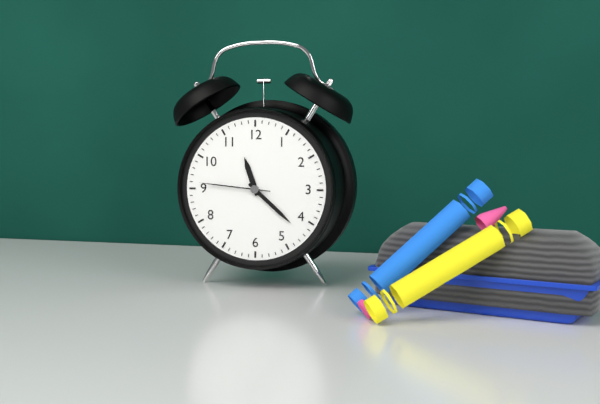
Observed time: 11h22m46s
